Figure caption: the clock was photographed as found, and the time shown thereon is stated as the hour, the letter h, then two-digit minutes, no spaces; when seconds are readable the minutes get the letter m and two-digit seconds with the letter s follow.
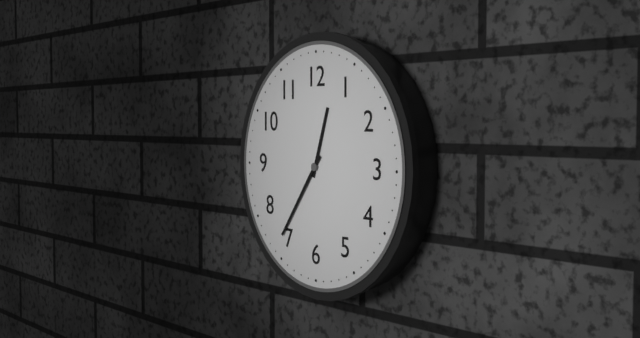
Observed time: 12h36
